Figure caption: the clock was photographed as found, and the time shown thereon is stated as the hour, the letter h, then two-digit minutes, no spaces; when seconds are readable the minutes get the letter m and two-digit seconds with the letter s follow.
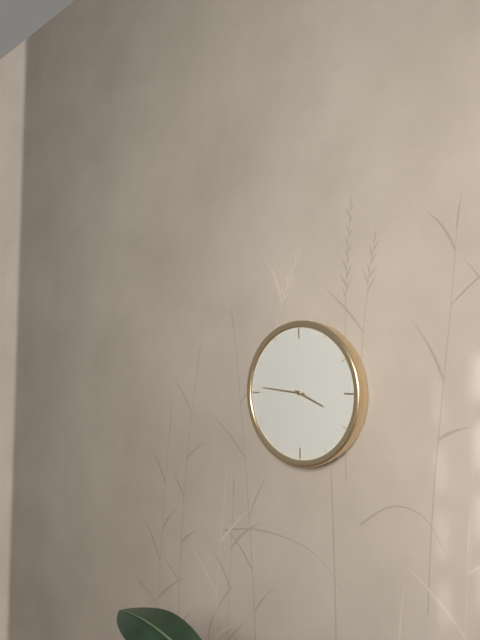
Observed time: 3h46
